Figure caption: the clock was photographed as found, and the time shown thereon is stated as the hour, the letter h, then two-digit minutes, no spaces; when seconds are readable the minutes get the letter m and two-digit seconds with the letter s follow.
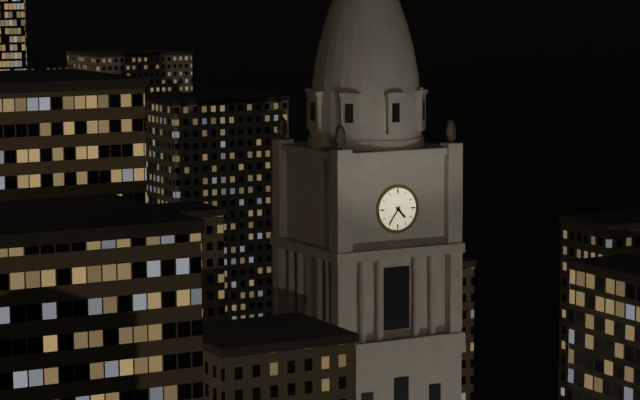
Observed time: 4h36
